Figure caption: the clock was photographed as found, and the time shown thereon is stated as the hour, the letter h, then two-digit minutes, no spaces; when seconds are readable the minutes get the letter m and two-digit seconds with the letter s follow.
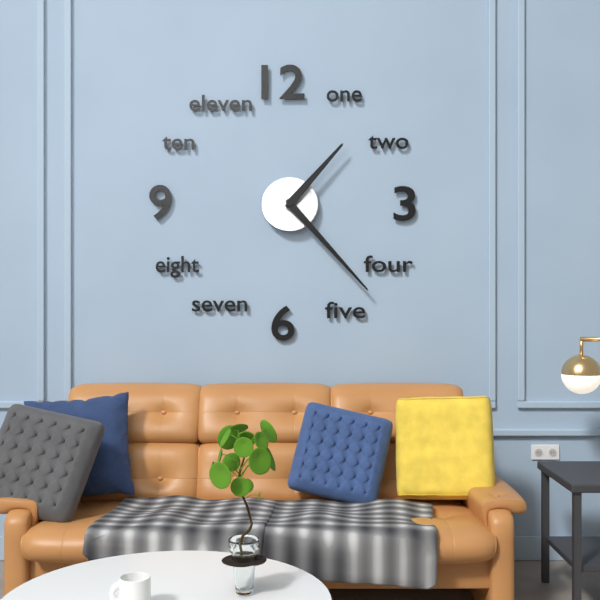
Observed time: 1h23
